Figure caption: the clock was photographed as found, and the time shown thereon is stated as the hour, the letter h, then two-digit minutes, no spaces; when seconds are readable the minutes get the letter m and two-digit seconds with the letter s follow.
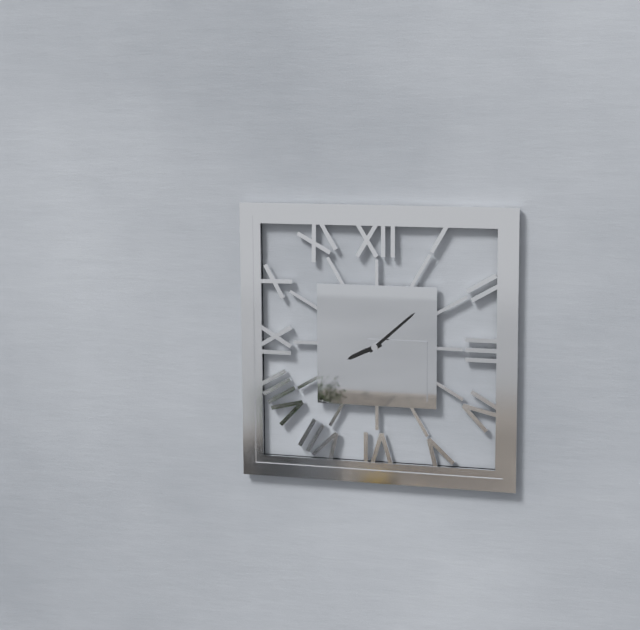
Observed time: 8h08
